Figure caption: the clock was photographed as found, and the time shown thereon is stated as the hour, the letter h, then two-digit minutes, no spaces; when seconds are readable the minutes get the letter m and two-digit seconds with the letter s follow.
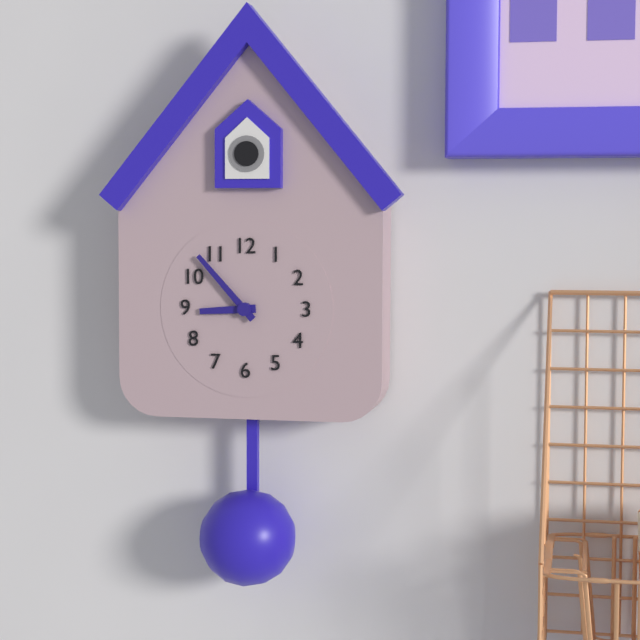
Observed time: 8h53
